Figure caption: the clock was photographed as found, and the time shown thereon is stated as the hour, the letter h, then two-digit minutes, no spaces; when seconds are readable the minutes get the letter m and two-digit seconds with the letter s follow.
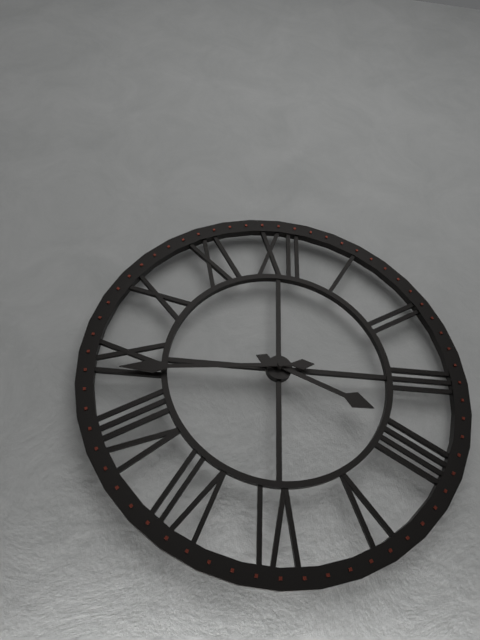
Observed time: 3h44
